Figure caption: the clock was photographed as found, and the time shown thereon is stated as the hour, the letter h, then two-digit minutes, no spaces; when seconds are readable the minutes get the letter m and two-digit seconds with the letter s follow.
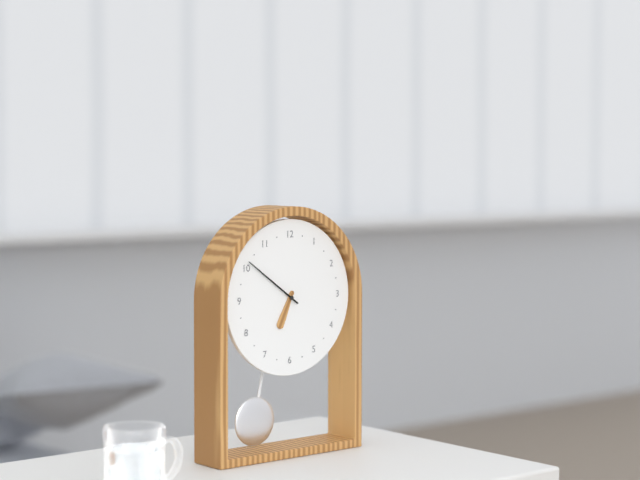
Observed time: 6h51
